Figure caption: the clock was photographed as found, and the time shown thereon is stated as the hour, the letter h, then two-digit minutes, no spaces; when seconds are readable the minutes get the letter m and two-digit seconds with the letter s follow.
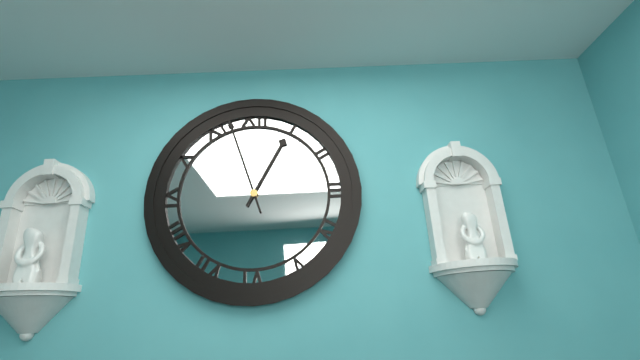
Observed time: 12h57
